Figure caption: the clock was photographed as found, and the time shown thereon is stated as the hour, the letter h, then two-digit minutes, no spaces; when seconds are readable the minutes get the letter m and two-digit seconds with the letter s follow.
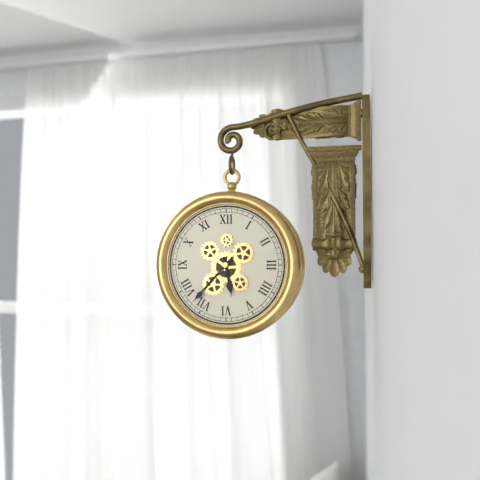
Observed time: 5h37
